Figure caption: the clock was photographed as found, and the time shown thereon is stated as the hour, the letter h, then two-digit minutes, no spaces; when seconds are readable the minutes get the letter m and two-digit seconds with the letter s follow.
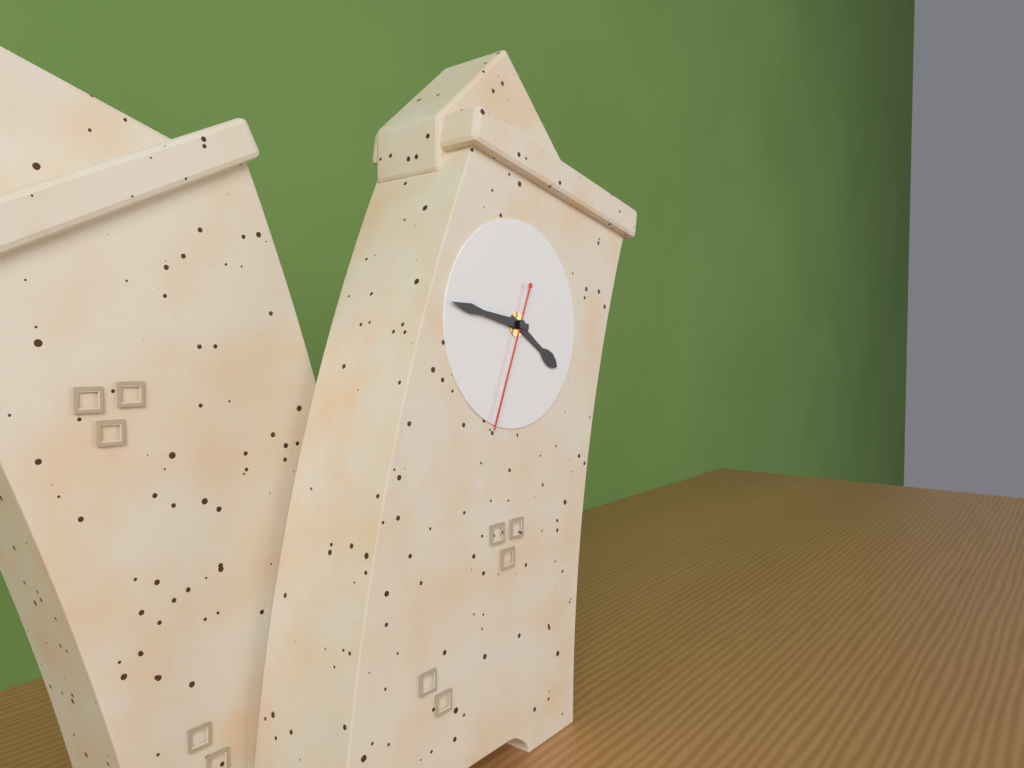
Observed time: 3h45m32s
